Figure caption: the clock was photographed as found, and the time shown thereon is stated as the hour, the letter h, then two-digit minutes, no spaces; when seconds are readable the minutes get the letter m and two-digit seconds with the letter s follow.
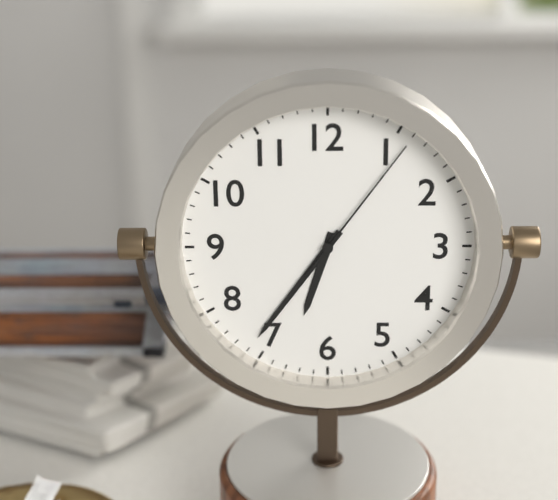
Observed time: 6h36m06s
